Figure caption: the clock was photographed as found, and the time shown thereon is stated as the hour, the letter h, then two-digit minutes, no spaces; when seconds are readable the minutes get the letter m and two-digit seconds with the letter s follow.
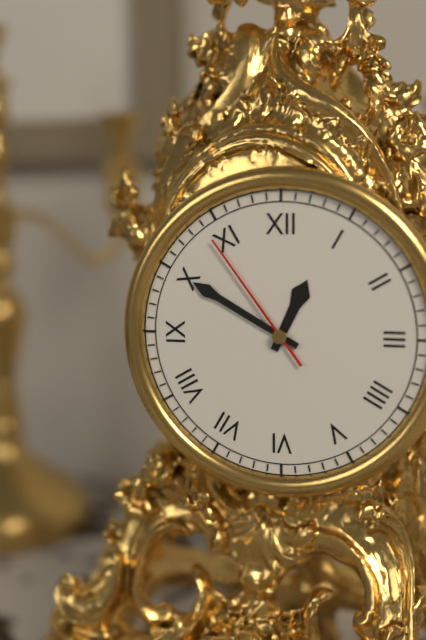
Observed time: 12h50m54s
